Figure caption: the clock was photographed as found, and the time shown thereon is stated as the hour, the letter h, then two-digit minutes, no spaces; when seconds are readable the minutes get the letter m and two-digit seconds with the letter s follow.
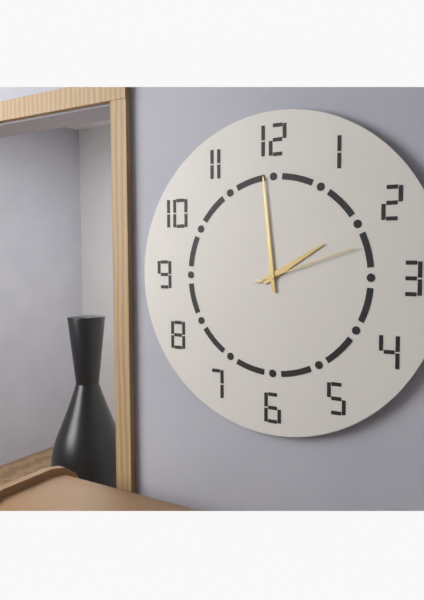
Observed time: 1h59m12s
